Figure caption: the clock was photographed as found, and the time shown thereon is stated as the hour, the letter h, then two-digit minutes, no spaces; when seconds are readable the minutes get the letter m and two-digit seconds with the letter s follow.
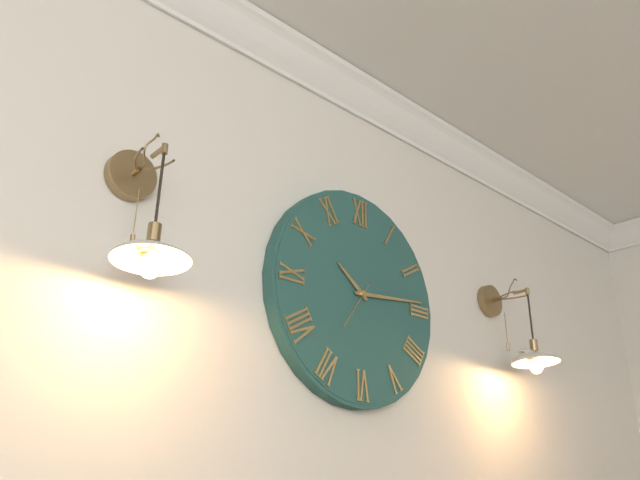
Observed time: 10h14
